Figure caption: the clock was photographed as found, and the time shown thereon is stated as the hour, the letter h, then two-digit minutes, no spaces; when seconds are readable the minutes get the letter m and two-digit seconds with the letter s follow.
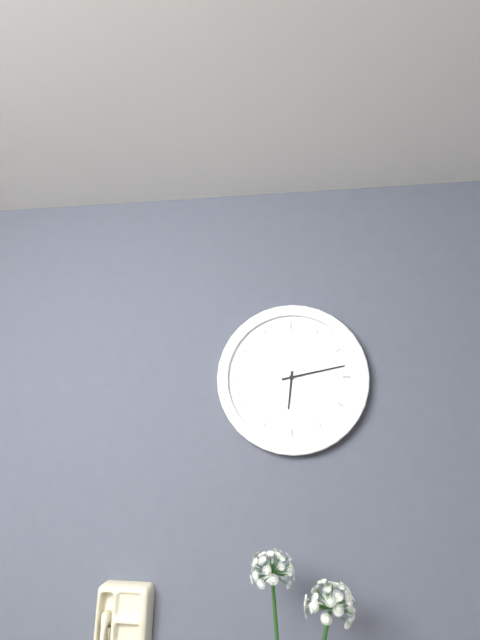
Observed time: 6h13
